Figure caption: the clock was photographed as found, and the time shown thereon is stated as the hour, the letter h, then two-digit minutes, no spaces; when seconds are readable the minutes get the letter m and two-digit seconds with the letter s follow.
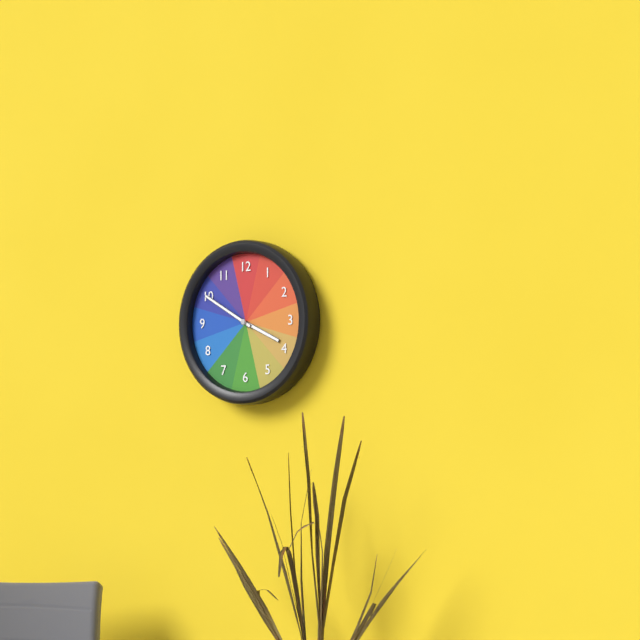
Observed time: 3h50
